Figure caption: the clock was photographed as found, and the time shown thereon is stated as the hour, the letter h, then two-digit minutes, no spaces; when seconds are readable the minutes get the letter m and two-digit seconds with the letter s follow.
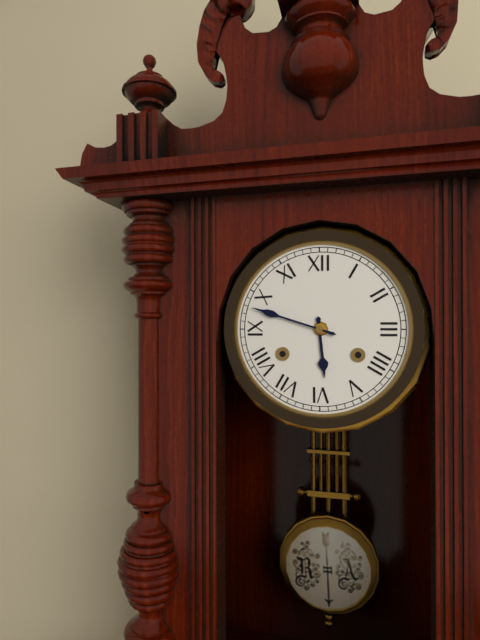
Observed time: 5h48
